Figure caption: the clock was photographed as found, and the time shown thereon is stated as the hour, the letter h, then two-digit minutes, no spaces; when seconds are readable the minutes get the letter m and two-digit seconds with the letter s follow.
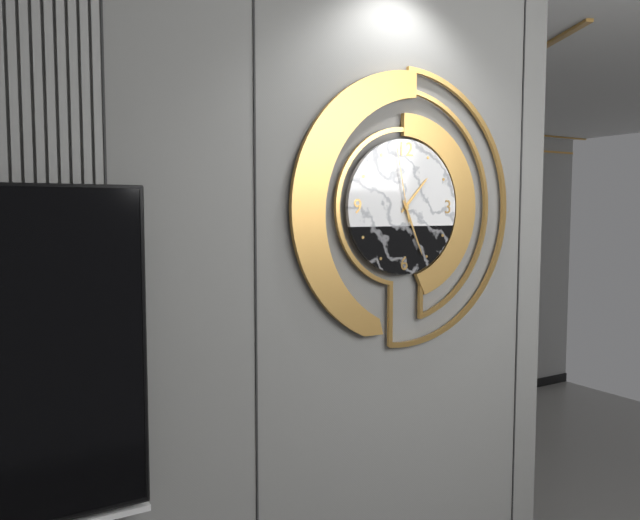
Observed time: 1h26m58s
